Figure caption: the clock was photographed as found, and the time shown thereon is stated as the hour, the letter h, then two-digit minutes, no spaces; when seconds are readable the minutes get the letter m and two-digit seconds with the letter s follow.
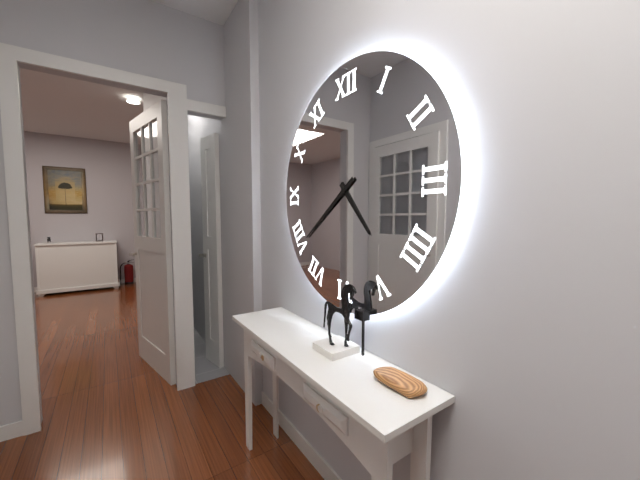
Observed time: 4h39
